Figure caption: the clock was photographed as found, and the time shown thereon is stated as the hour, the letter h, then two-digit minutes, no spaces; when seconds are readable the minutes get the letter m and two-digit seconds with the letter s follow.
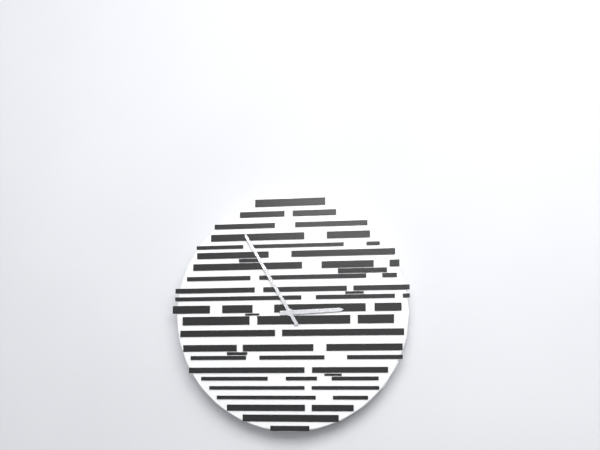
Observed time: 2h55
